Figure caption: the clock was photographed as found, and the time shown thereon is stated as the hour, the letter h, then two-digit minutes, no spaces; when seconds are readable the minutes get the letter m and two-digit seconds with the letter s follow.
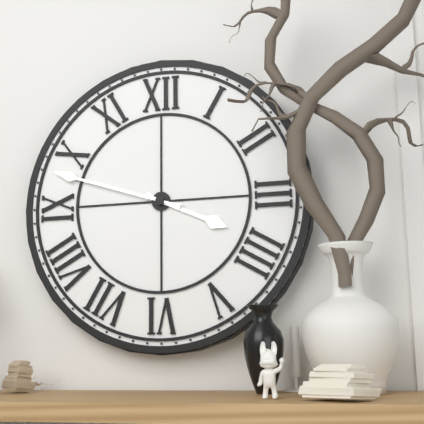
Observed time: 3h48
